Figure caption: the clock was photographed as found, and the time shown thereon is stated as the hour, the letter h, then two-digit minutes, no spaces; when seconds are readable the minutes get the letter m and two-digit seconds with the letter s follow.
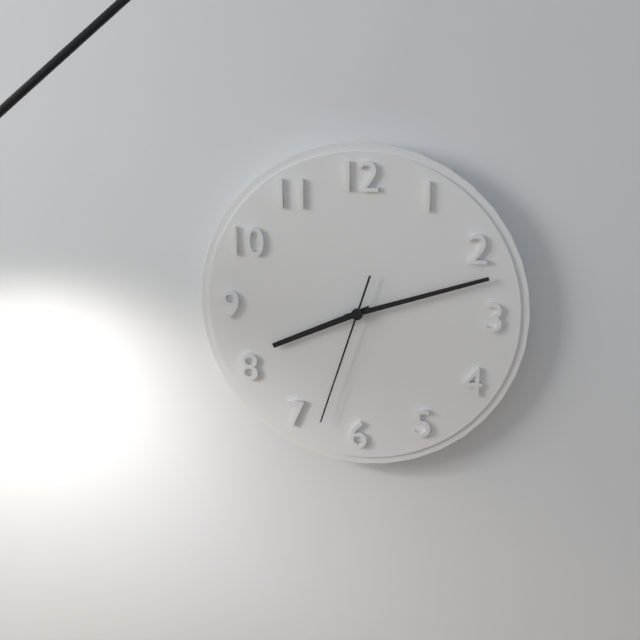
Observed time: 8h12m33s
